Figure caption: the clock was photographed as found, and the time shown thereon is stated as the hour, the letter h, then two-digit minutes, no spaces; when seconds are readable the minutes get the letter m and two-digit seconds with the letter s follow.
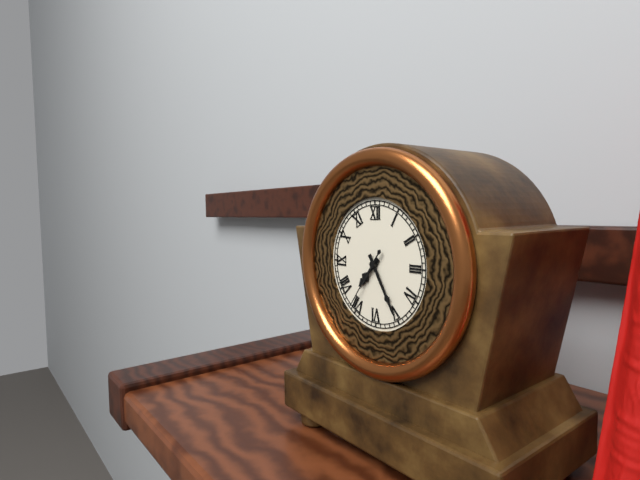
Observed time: 7h25m36s
